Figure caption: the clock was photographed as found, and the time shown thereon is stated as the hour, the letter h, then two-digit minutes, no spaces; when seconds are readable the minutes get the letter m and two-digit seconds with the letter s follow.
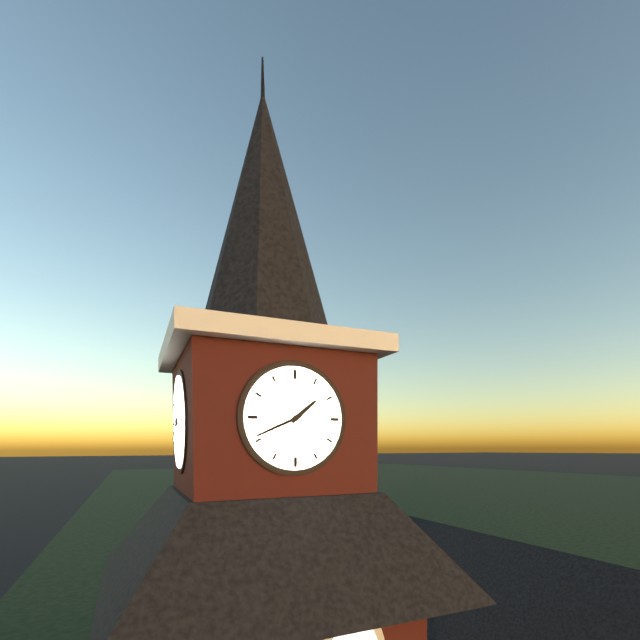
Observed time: 1h41
